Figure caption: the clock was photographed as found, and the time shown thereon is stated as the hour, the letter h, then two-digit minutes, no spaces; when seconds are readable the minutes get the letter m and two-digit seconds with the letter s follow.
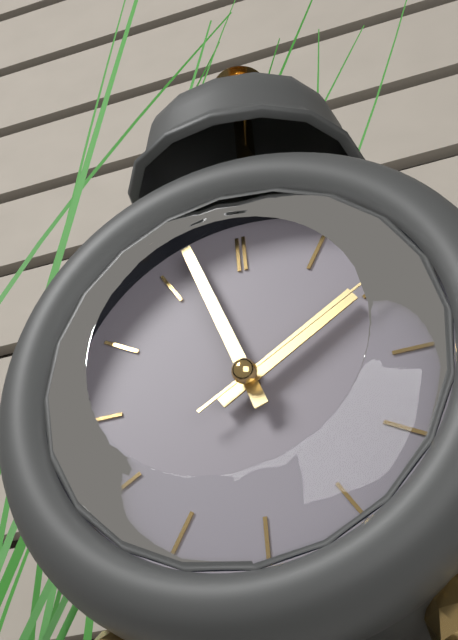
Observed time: 1h57m10s
